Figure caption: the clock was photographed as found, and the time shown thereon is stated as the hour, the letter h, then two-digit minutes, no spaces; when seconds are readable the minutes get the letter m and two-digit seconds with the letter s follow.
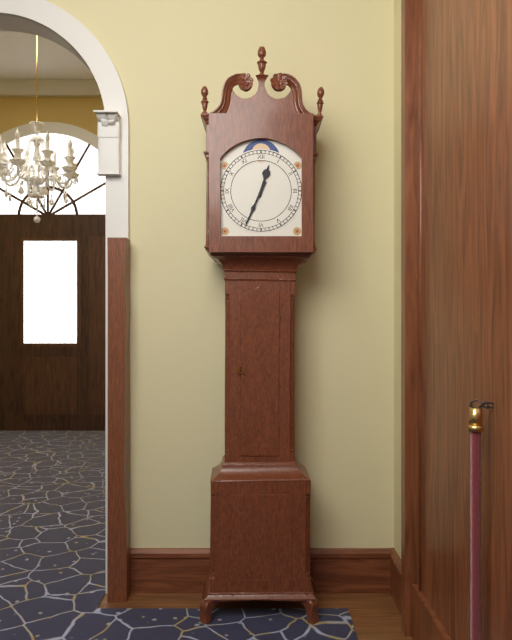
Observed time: 12h34
